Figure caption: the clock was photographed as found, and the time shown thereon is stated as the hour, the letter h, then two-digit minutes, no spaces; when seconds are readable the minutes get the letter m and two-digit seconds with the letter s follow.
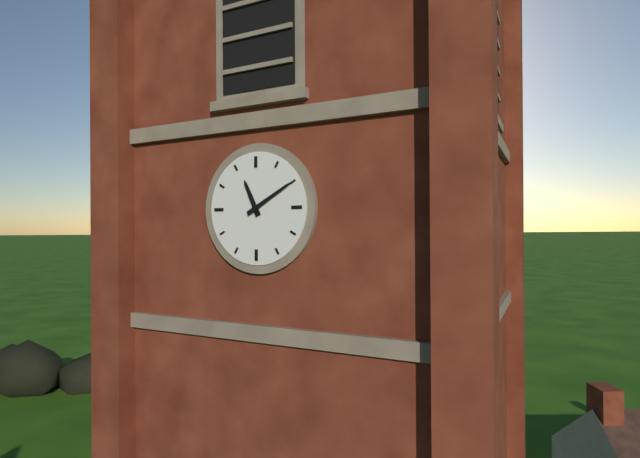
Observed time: 11h10
